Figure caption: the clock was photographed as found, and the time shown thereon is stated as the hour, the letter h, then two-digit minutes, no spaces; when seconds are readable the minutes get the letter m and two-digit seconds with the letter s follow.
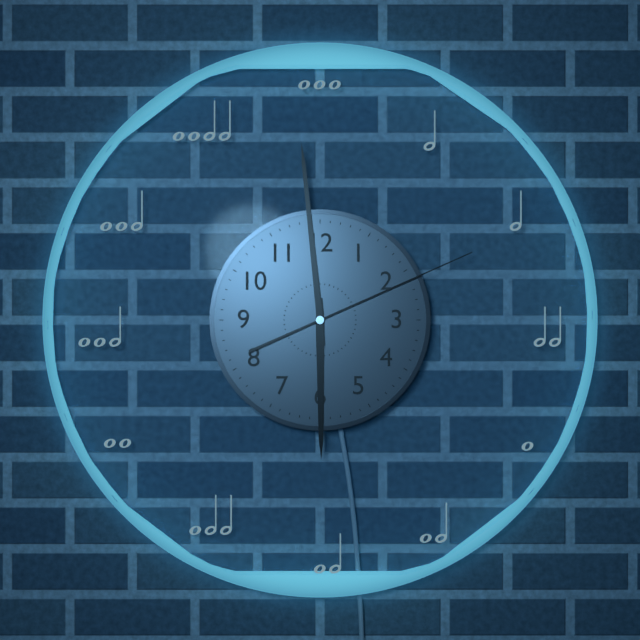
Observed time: 5h59m11s
